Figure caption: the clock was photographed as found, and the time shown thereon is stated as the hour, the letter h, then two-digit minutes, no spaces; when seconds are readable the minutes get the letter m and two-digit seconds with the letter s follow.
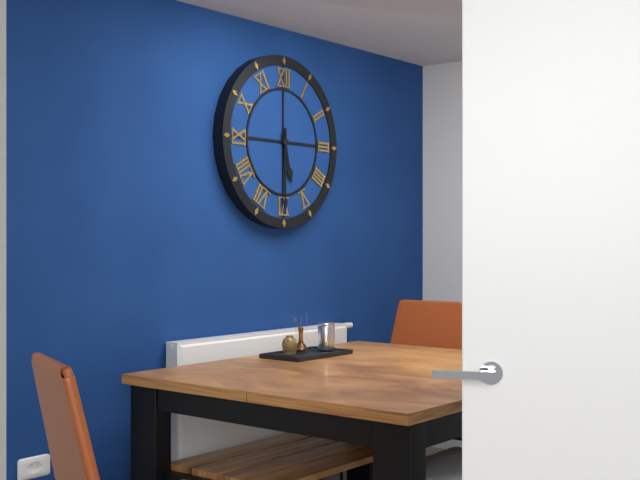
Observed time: 5h30
